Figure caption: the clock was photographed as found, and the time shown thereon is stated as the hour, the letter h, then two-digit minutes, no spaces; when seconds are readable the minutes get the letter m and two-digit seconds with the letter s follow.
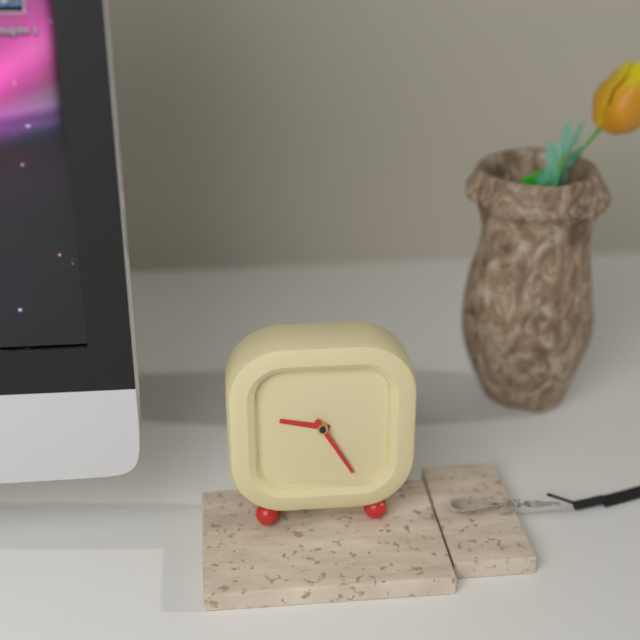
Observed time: 9h25
